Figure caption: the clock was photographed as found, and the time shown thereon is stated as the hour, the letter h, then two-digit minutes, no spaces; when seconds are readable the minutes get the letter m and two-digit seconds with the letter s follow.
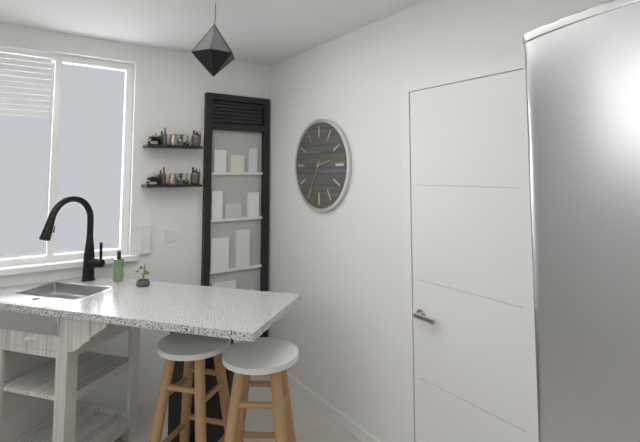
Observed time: 2h35
